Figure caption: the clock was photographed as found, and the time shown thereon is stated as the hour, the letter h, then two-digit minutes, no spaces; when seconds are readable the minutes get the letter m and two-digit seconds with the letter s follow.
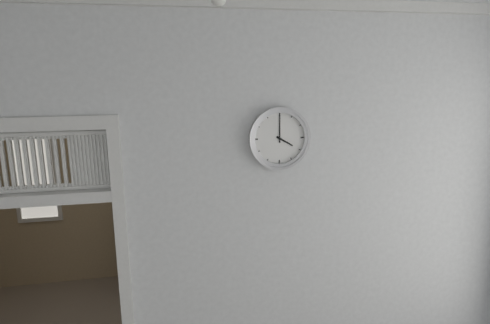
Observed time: 4h00
